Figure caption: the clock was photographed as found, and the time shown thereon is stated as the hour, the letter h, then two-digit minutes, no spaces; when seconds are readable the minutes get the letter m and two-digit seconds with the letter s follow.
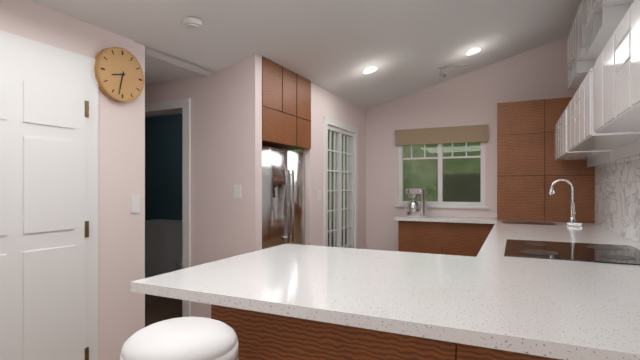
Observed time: 8h32
